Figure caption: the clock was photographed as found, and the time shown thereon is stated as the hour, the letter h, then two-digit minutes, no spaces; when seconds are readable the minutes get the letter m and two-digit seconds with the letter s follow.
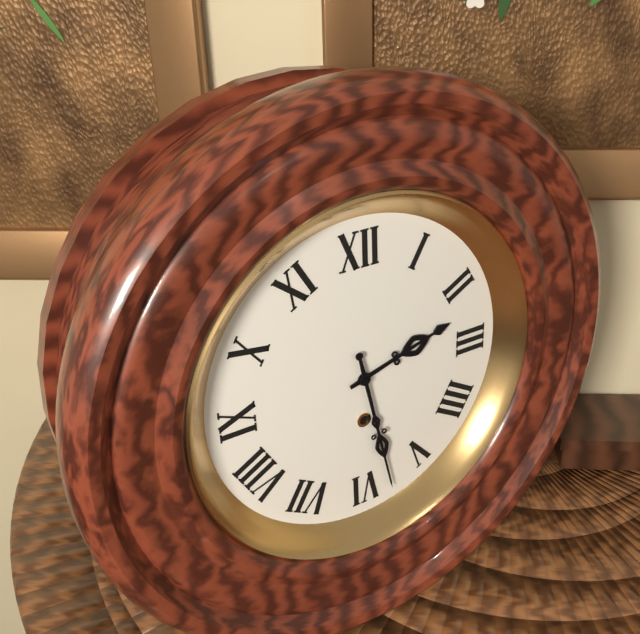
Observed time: 2h28
